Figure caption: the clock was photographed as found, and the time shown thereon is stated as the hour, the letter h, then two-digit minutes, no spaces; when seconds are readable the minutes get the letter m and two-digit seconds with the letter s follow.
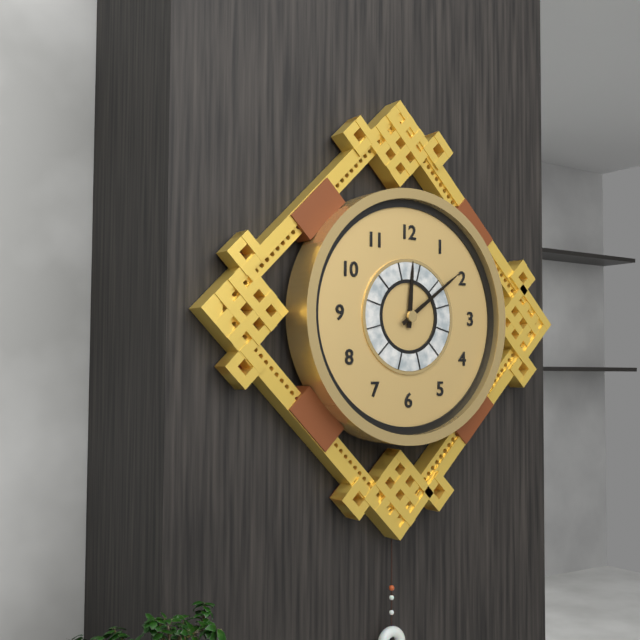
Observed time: 12h09
